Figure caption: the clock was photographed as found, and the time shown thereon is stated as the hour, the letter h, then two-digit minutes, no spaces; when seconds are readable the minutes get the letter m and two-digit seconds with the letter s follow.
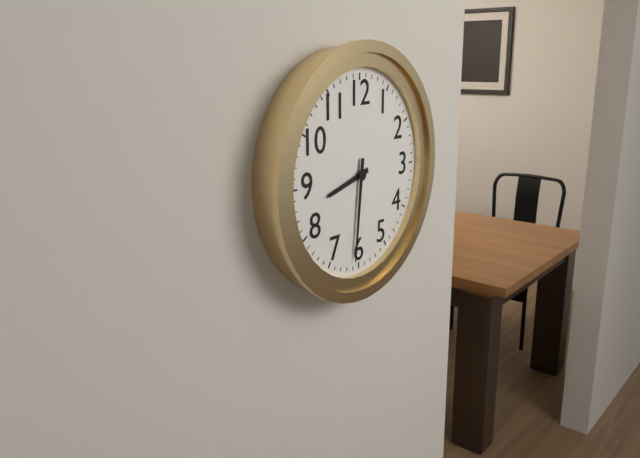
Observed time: 8h31
